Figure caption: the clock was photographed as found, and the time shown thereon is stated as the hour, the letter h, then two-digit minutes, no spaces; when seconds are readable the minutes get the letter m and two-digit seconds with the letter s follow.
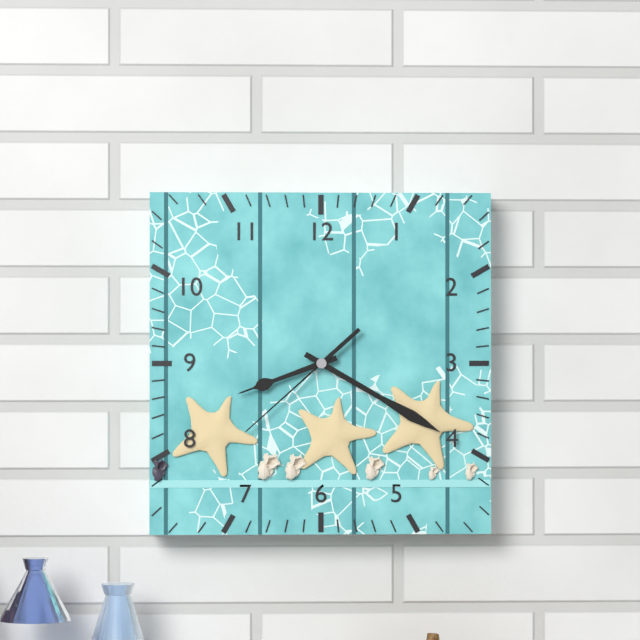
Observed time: 8h20m38s
